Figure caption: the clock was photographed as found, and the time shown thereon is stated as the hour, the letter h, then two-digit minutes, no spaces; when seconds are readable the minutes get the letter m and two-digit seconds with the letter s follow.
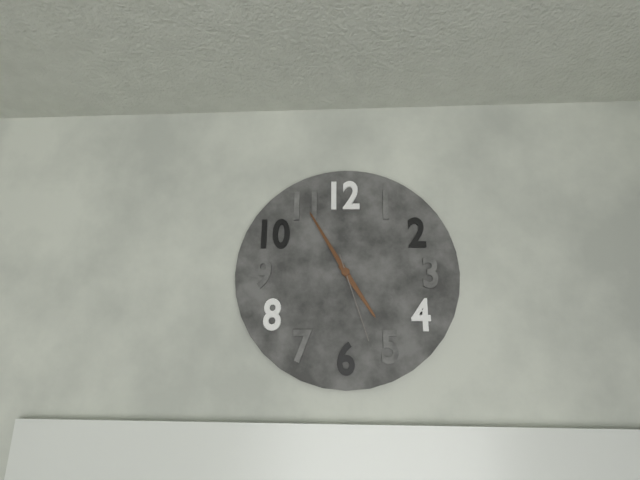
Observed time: 4h55m27s
